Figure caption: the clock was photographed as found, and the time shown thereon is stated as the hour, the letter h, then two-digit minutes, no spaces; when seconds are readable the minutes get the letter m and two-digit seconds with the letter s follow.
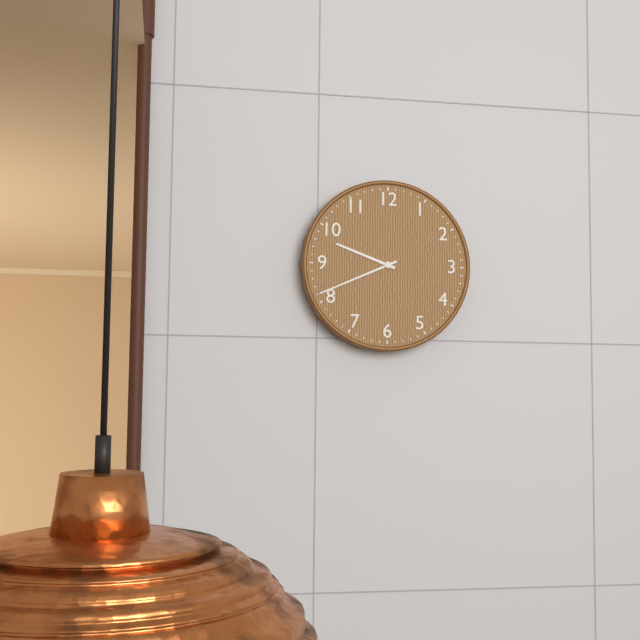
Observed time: 9h41
